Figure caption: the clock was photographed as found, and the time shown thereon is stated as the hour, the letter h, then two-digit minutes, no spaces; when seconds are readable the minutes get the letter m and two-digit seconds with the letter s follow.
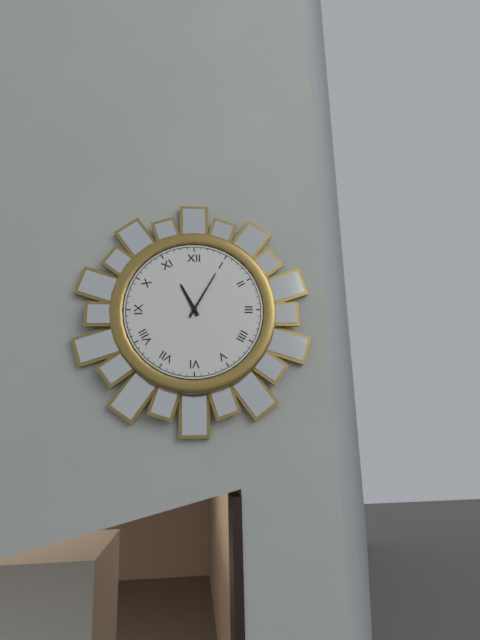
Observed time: 11h05
